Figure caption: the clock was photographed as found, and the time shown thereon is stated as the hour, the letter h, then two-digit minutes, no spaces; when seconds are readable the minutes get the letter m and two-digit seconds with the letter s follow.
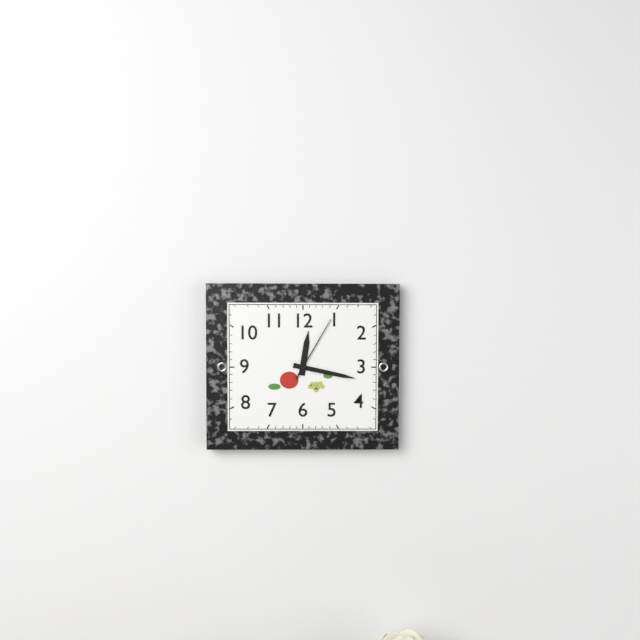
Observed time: 12h17m05s
